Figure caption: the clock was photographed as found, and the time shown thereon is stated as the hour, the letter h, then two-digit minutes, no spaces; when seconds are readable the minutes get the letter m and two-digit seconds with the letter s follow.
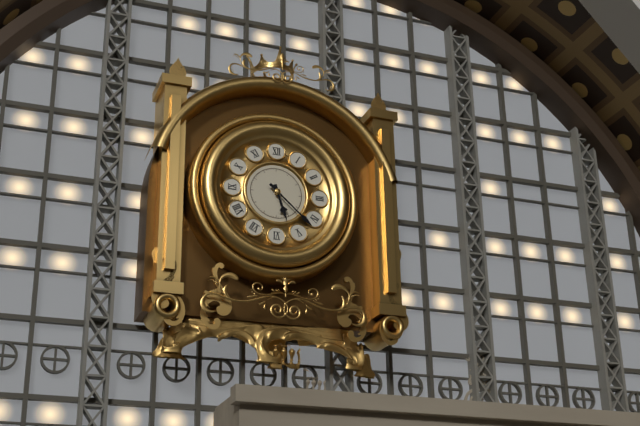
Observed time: 5h22
